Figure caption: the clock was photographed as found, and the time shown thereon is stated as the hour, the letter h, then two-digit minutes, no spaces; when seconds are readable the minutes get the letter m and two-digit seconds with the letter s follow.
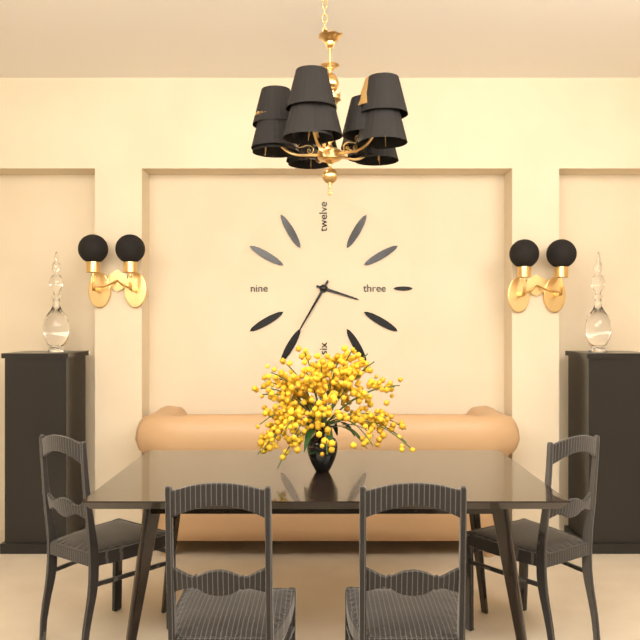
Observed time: 3h35
